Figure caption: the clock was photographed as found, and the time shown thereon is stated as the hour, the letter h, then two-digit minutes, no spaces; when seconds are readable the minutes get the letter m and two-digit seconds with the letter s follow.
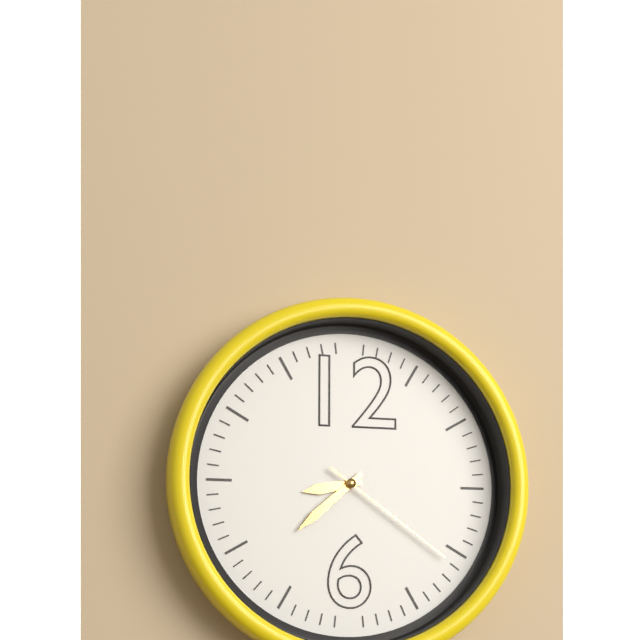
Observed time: 8h38m21s
